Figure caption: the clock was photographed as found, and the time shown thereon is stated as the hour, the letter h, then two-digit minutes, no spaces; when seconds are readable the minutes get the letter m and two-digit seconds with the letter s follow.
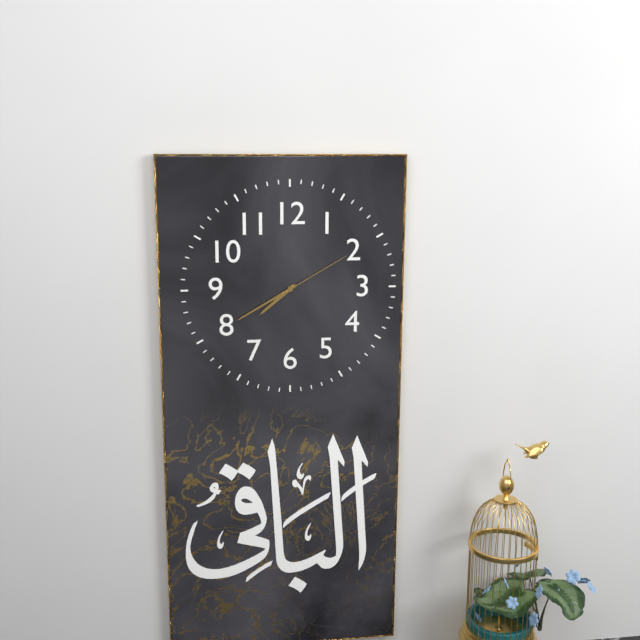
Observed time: 7h40m10s
